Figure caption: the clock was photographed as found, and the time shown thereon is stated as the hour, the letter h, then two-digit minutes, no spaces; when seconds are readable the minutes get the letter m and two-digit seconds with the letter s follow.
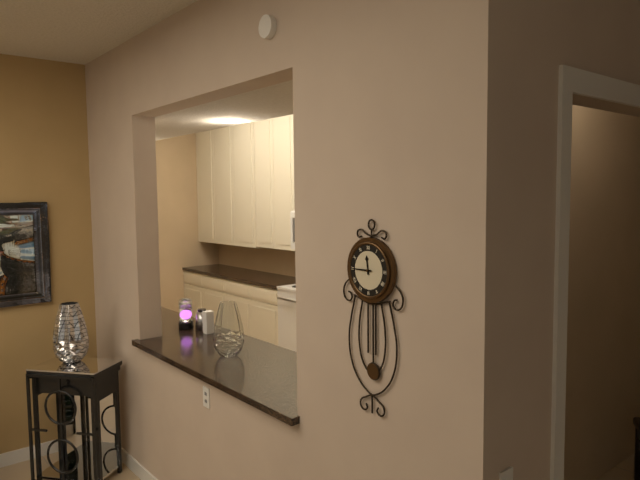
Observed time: 11h45
